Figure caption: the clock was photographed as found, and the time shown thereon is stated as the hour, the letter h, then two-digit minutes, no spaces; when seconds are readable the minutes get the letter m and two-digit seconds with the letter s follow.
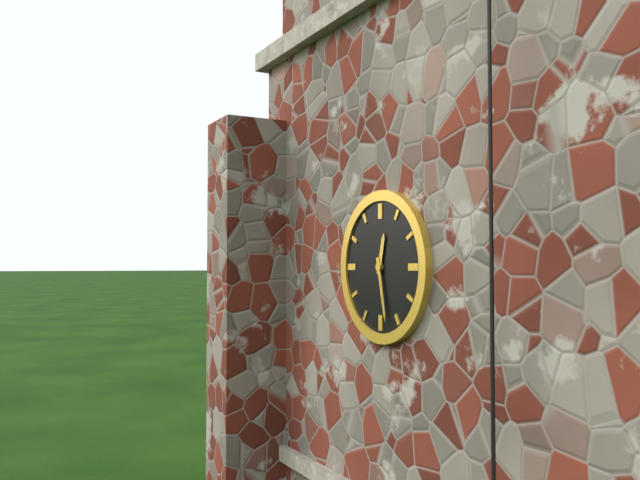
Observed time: 12h28
